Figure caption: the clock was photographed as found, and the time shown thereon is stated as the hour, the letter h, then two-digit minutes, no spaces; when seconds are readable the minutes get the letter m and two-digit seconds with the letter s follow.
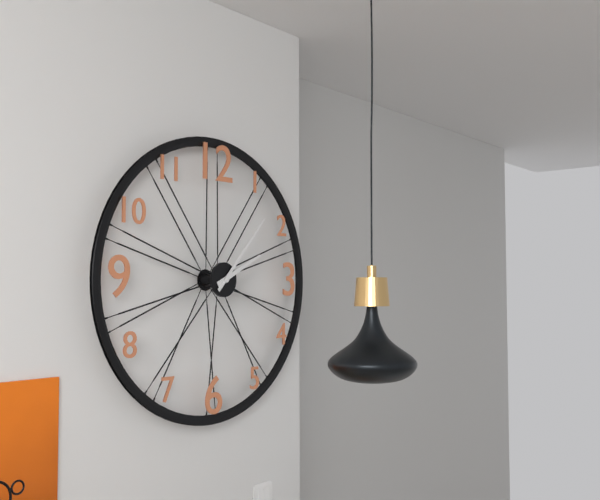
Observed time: 2h07
